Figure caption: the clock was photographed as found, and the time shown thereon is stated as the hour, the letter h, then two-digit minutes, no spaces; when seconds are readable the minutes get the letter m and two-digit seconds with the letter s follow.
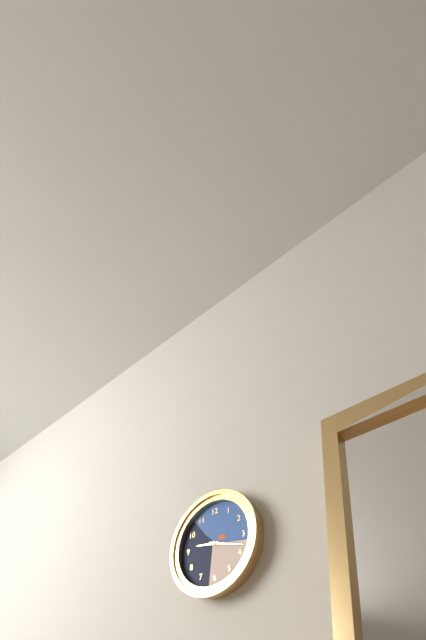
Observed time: 9h18
